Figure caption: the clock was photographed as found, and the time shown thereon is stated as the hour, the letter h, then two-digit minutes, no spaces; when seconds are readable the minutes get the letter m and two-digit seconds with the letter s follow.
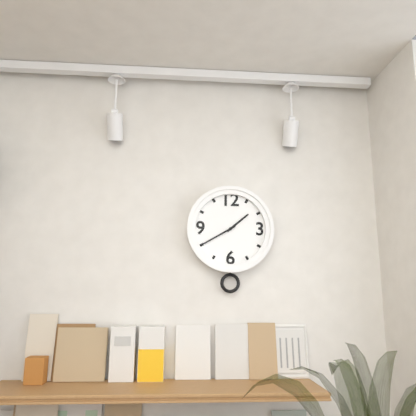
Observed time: 1h40
